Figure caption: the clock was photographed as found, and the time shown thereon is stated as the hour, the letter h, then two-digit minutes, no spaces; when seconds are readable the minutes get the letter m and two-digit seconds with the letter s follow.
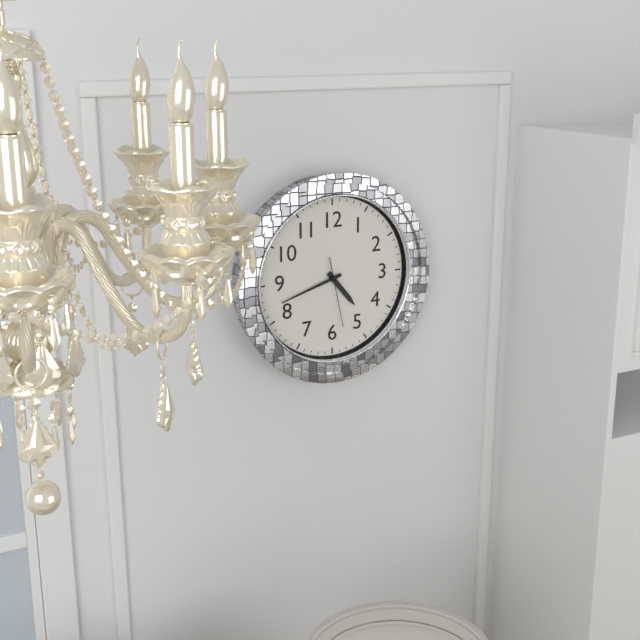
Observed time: 4h42m28s
